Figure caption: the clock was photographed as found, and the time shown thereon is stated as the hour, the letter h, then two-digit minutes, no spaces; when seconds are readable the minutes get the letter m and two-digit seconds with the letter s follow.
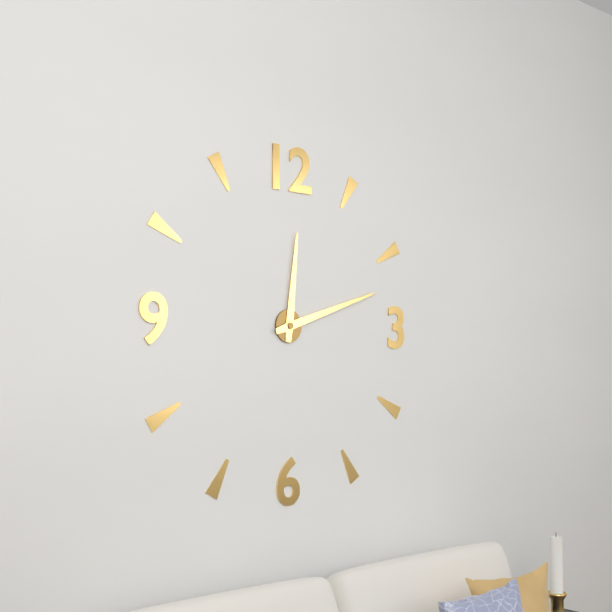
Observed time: 12h12
